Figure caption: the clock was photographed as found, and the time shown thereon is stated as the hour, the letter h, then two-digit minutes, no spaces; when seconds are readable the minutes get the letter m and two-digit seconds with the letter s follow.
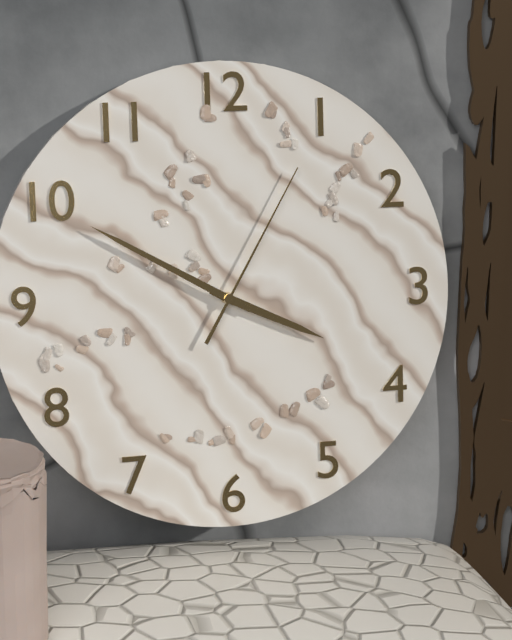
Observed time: 3h50m05s
